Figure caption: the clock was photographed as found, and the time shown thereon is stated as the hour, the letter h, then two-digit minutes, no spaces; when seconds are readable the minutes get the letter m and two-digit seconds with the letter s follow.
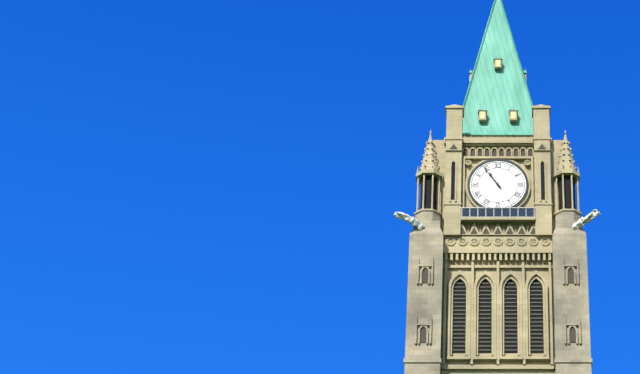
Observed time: 10h54
